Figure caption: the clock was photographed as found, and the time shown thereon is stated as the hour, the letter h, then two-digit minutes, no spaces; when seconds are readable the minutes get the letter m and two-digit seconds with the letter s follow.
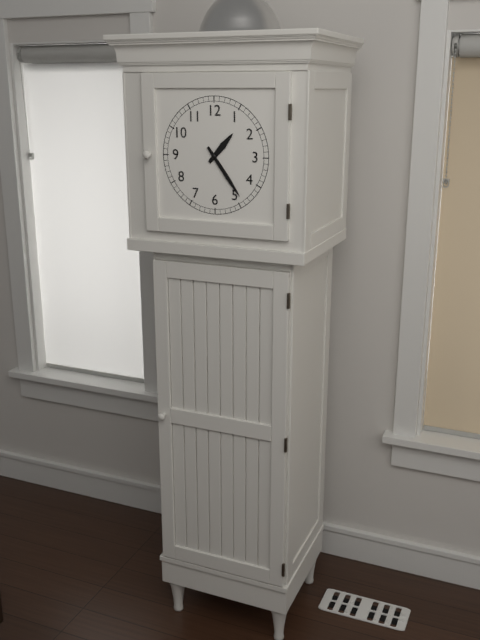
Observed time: 1h24
